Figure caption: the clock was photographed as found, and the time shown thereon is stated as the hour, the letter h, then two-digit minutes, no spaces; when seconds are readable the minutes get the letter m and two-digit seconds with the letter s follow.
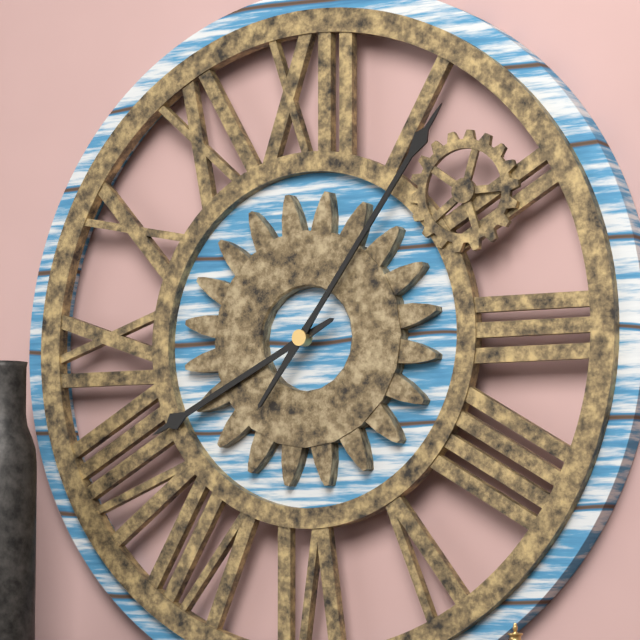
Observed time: 8h06
